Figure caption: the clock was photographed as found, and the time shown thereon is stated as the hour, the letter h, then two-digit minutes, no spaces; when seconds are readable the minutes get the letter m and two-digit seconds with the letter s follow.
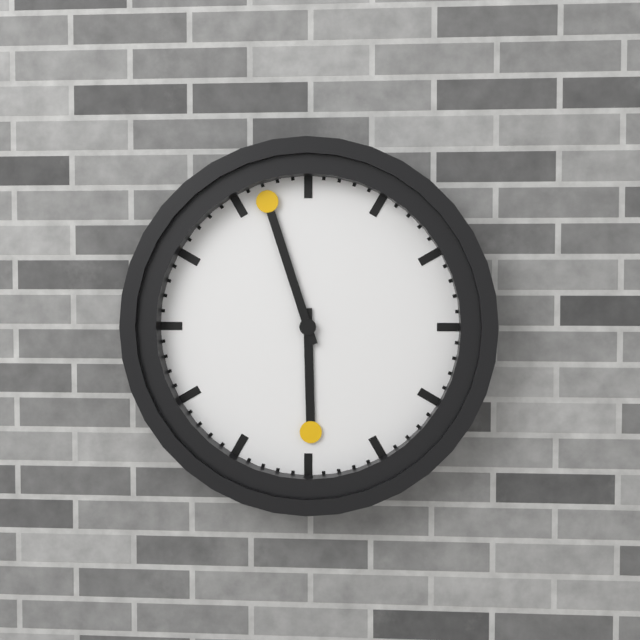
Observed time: 5h57
